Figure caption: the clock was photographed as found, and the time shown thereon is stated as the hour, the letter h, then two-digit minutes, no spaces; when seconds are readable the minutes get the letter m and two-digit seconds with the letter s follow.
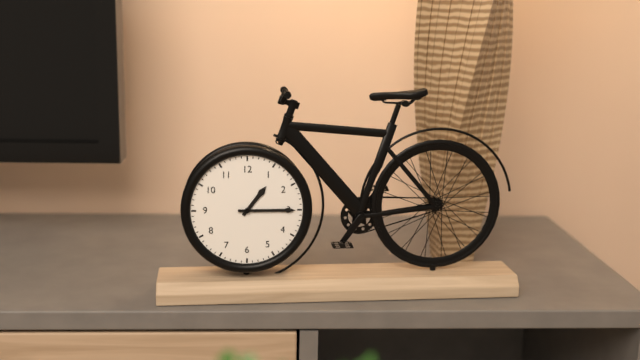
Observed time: 1h15
